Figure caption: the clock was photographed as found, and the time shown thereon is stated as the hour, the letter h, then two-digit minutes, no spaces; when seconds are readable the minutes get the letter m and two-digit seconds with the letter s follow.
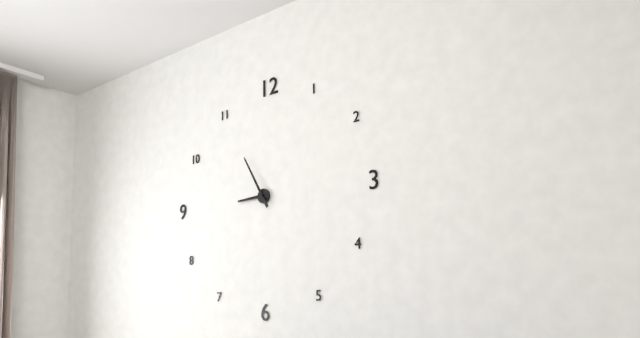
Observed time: 8h55
